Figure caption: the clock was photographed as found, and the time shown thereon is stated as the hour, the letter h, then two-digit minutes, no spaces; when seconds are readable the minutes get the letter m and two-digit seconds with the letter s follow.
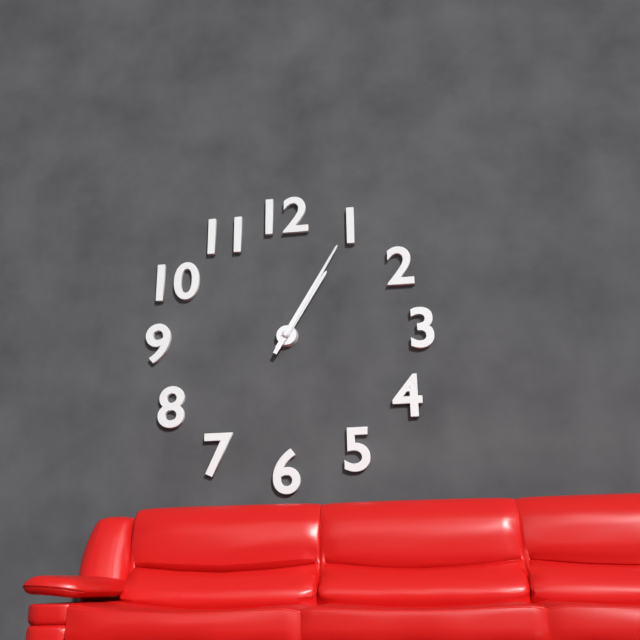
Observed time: 1h05
